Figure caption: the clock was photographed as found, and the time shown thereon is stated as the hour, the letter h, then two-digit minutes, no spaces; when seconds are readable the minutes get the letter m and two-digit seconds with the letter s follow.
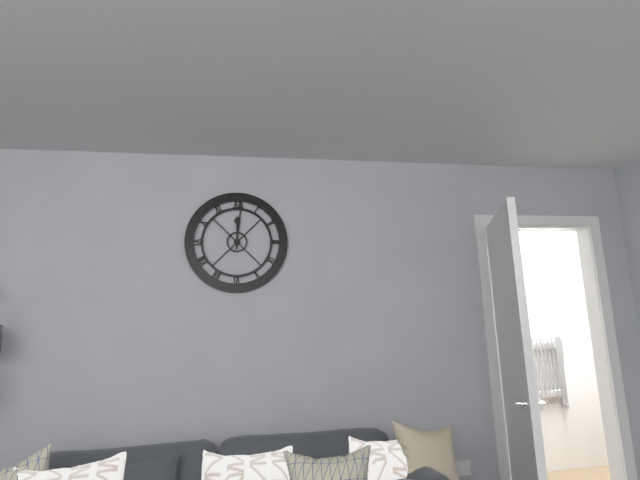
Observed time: 12h01
